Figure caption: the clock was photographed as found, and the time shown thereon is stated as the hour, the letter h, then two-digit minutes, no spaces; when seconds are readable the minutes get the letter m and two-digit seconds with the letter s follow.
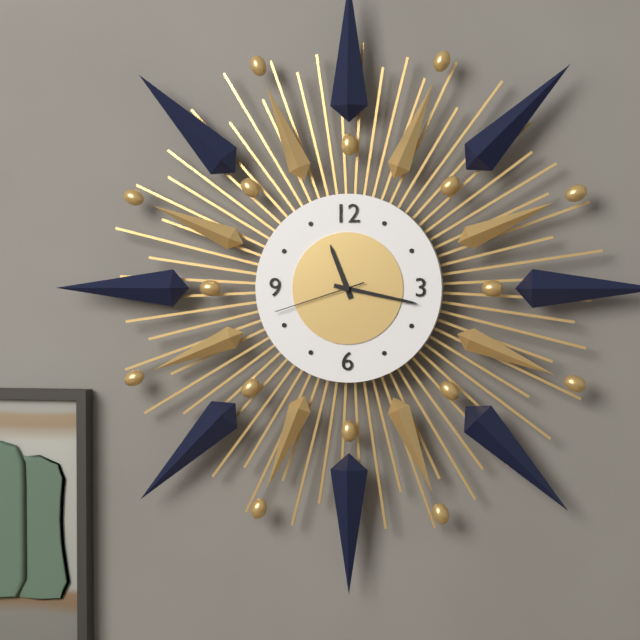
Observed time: 11h17m42s
